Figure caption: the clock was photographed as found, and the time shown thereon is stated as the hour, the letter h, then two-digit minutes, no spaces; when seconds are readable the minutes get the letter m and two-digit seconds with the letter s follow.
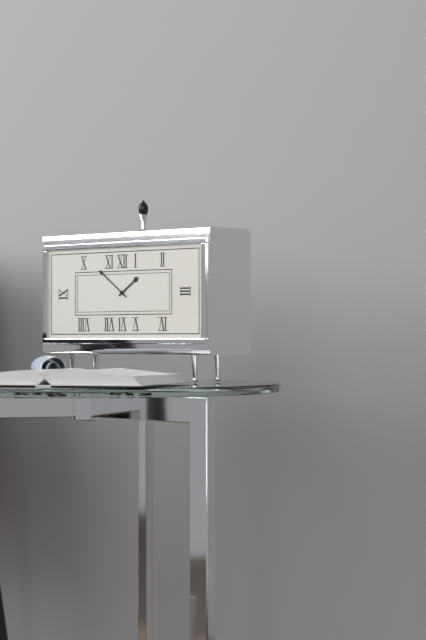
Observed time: 1h51
